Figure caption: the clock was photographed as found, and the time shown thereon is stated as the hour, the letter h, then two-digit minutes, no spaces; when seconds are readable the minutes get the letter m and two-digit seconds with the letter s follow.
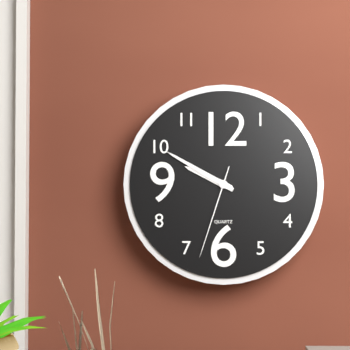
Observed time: 9h50m33s
